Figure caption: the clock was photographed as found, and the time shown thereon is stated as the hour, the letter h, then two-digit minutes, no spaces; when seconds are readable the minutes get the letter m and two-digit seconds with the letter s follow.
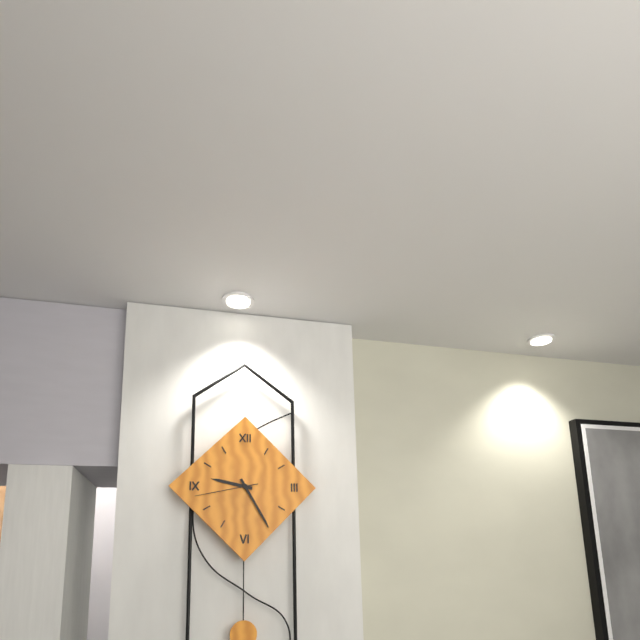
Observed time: 9h25m43s
